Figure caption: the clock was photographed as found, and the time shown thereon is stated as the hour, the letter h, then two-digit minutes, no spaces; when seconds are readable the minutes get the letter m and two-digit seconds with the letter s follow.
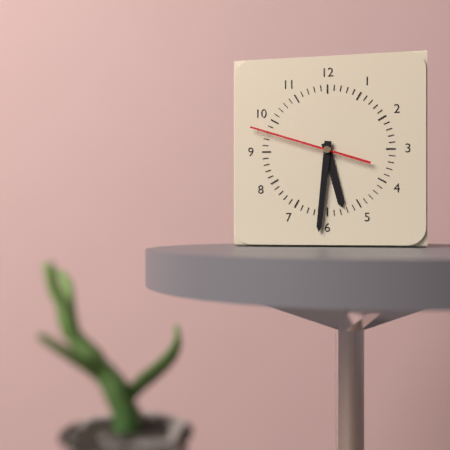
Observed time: 5h31m48s
